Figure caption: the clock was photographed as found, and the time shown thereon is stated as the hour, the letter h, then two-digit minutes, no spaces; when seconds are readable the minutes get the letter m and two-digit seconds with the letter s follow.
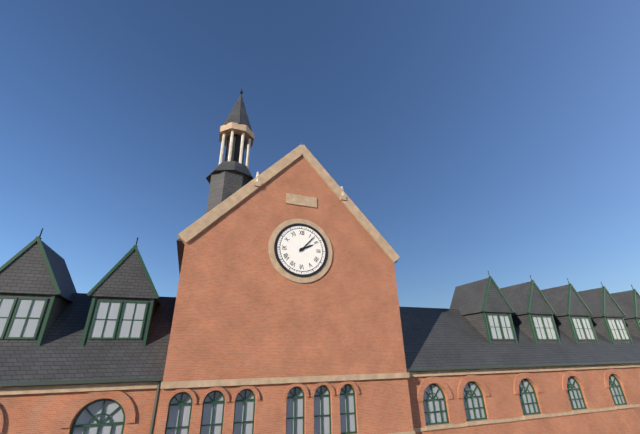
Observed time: 2h07
